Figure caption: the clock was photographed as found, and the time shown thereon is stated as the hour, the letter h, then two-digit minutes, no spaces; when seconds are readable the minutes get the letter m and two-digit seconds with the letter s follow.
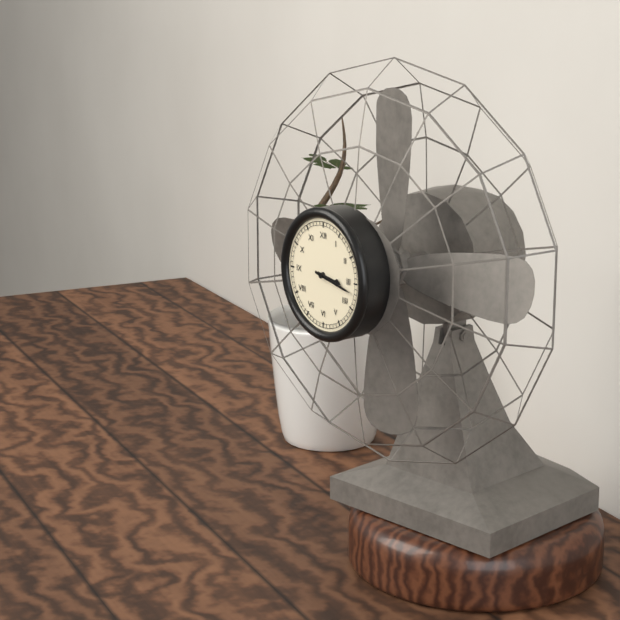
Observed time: 3h17
